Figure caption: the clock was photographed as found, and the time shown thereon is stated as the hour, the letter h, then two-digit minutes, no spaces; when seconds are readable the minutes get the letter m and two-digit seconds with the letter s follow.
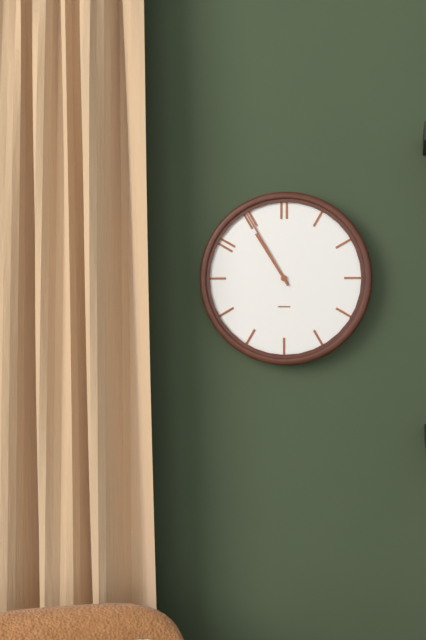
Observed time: 10h55
